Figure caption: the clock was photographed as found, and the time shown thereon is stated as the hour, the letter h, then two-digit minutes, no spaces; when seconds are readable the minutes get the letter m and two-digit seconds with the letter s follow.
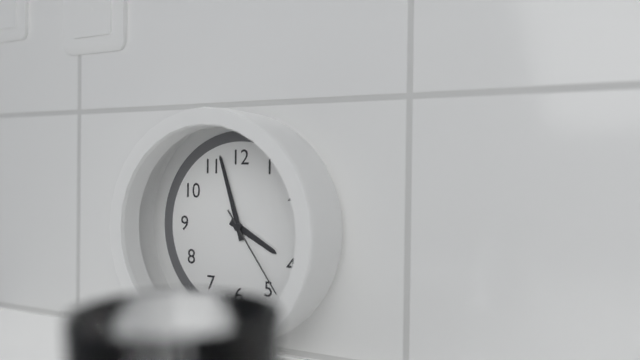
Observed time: 3h57m24s
